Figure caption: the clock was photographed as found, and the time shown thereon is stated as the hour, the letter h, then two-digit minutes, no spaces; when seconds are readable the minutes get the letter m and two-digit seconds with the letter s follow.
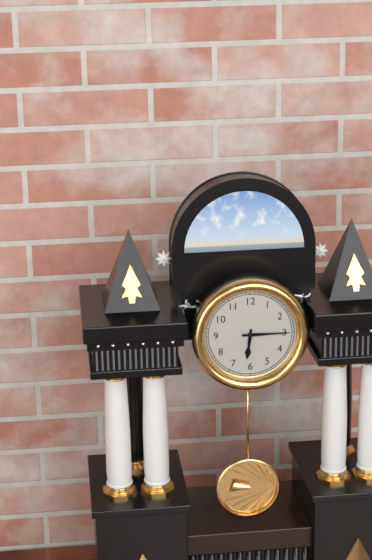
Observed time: 6h15
